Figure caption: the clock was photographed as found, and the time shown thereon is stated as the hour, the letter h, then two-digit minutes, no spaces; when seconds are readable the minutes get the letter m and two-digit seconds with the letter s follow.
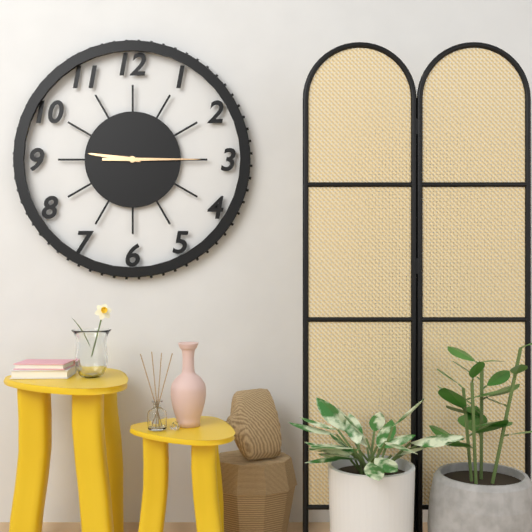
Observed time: 9h15
